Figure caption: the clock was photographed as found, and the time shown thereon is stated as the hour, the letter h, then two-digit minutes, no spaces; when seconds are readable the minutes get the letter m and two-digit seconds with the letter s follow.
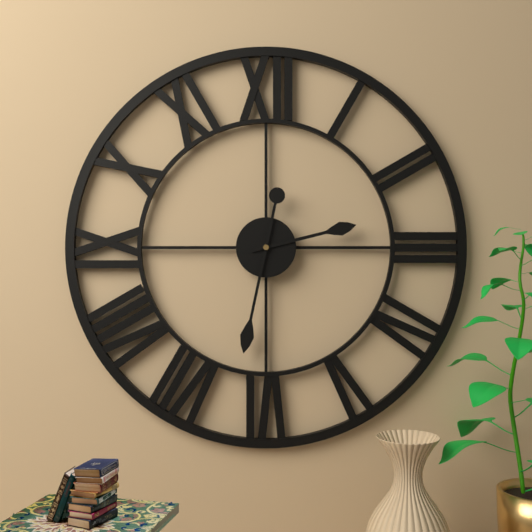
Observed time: 2h32
